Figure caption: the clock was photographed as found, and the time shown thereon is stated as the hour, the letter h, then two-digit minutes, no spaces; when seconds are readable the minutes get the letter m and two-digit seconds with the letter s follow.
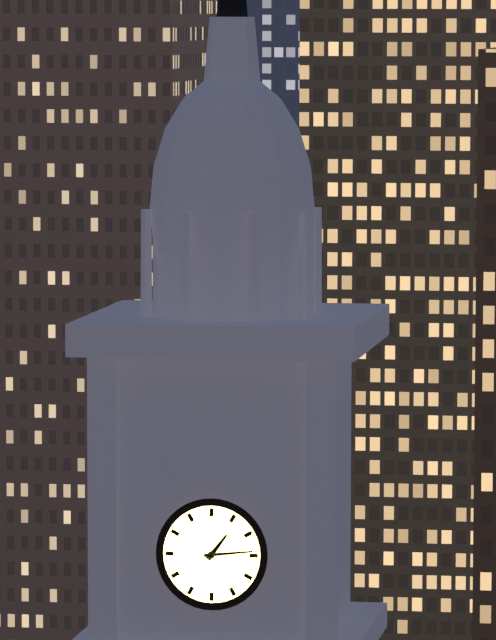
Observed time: 1h14
